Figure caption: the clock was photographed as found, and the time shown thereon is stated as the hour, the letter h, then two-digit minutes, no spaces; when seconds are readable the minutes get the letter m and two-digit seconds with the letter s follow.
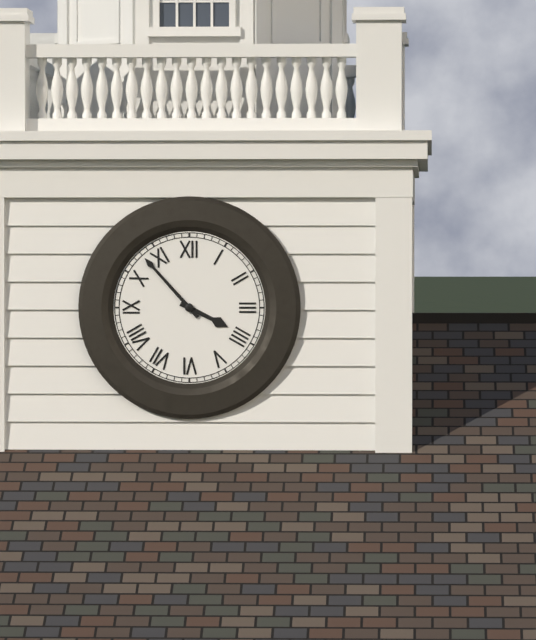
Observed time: 3h53
